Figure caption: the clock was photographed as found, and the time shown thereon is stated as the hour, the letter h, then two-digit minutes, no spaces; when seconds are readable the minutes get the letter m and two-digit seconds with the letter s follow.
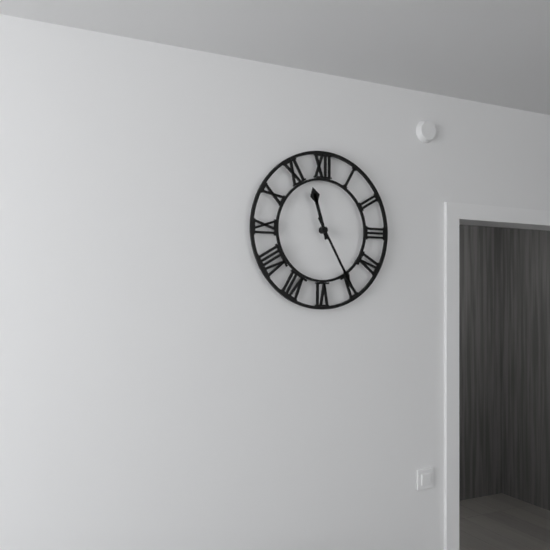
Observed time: 11h25
